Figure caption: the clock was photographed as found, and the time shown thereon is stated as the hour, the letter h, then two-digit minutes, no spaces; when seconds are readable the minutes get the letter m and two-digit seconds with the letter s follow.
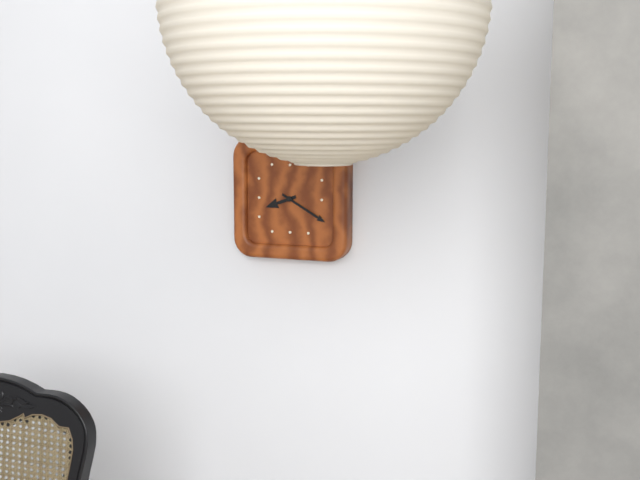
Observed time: 8h20
